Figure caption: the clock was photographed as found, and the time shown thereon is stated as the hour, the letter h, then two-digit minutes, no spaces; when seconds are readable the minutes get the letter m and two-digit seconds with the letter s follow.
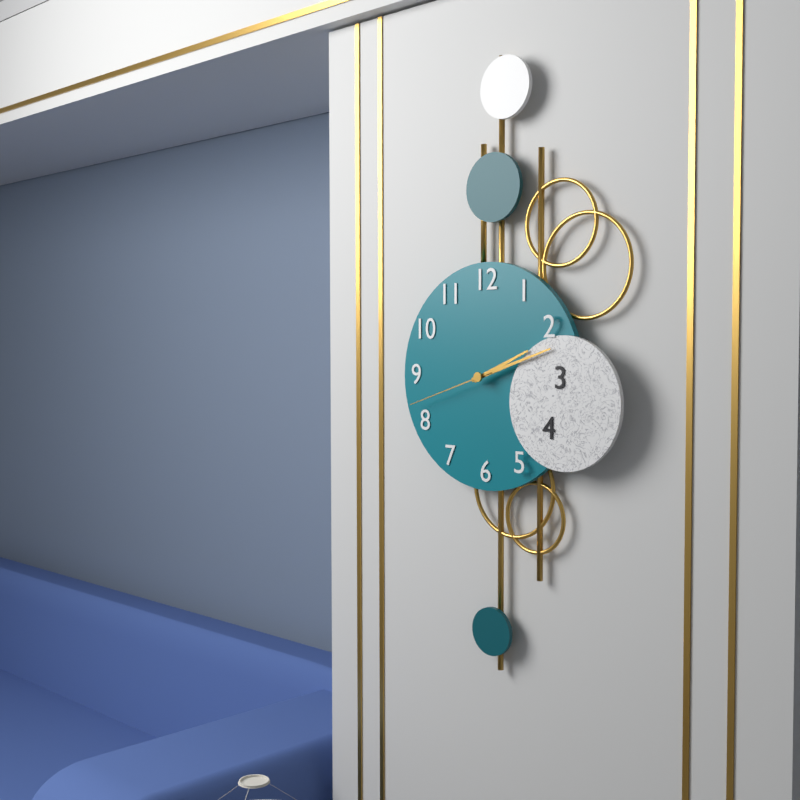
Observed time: 2h12m42s
